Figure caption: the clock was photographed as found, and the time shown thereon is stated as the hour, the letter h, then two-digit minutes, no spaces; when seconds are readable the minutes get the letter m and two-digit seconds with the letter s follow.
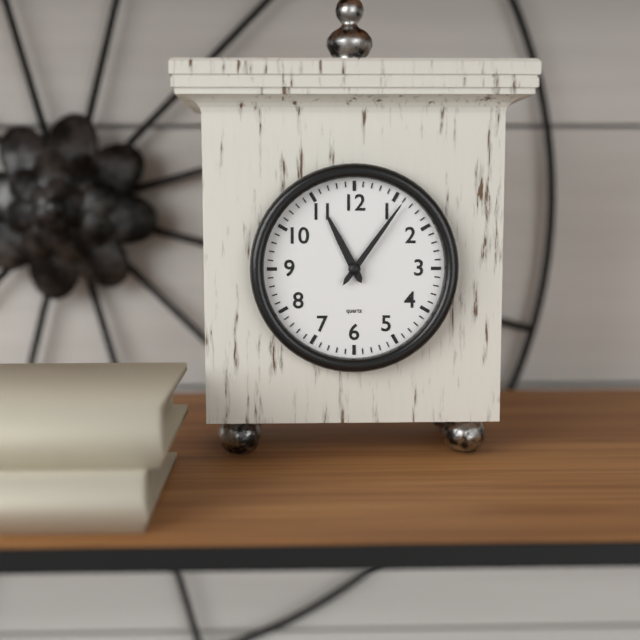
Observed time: 11h06
